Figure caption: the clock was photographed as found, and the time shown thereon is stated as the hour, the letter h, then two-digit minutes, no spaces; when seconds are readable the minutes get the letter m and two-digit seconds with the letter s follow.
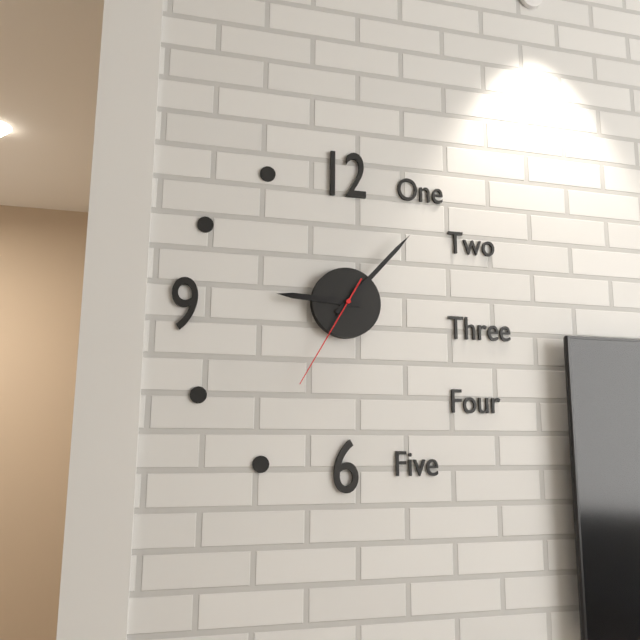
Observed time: 9h07m35s
